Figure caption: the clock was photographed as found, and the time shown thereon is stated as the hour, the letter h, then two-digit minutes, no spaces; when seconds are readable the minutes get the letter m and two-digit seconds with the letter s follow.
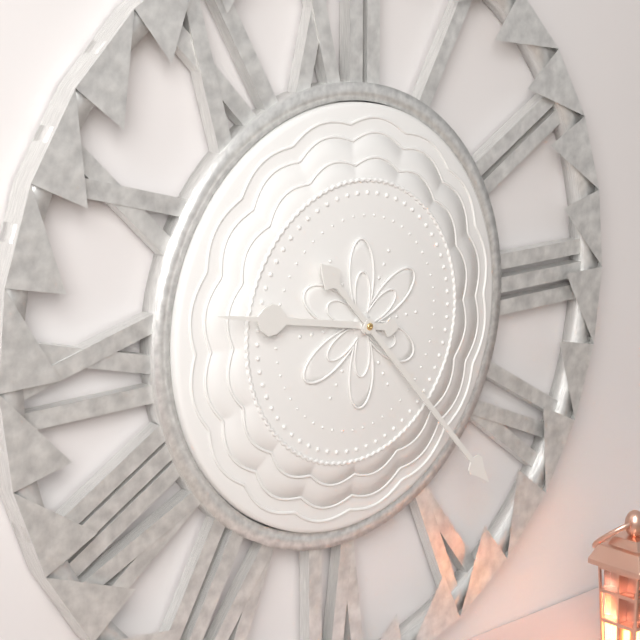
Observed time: 9h23
